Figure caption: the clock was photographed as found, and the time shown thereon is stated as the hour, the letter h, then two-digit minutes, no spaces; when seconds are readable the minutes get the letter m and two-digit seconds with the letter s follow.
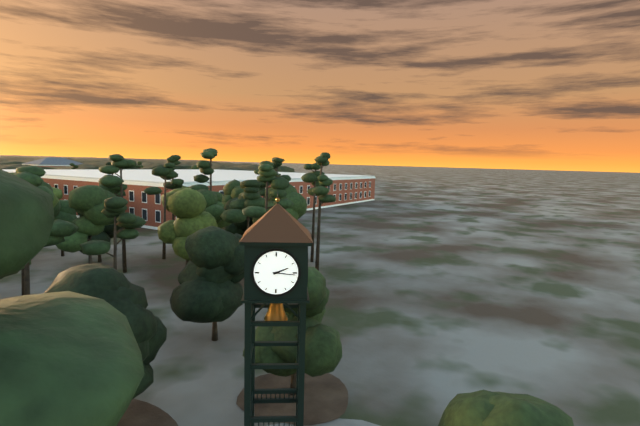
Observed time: 2h16
